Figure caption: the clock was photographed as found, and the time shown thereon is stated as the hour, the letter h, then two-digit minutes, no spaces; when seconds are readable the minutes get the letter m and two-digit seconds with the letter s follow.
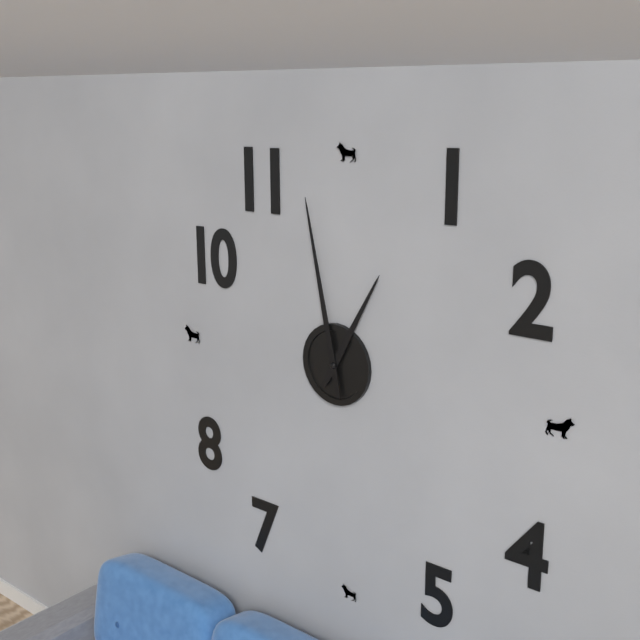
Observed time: 12h58
